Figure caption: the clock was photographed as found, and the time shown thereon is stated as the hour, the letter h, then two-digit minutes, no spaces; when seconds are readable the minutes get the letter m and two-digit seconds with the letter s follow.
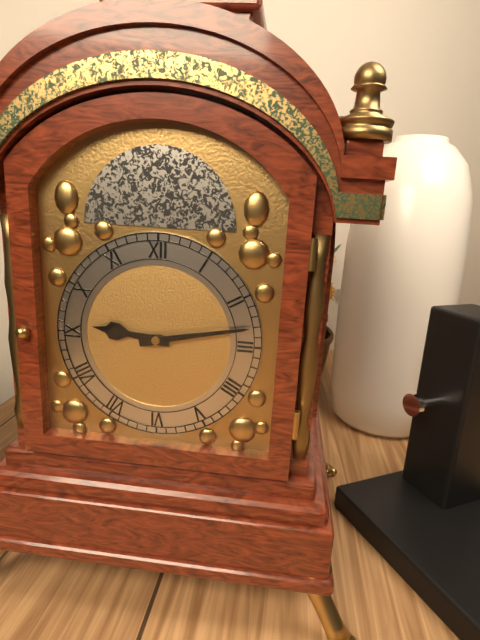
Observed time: 9h13
